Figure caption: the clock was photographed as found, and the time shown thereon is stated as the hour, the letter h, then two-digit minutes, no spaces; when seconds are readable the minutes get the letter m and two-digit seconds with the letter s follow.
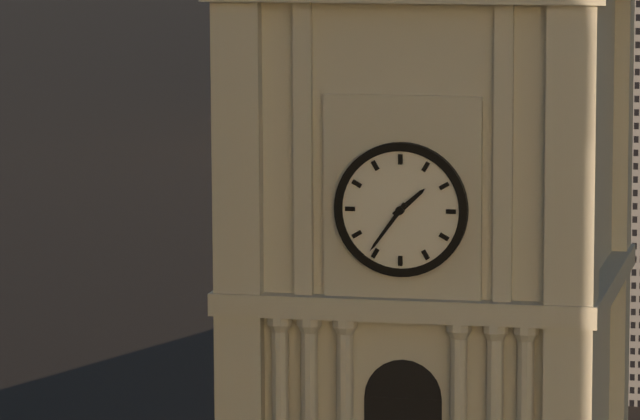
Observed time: 1h36
